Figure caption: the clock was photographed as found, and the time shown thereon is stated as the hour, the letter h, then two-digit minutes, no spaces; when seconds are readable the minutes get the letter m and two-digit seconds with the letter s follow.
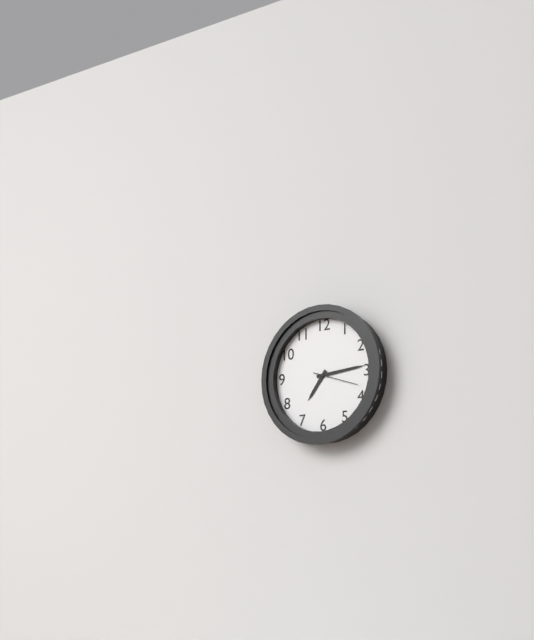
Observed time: 7h14
